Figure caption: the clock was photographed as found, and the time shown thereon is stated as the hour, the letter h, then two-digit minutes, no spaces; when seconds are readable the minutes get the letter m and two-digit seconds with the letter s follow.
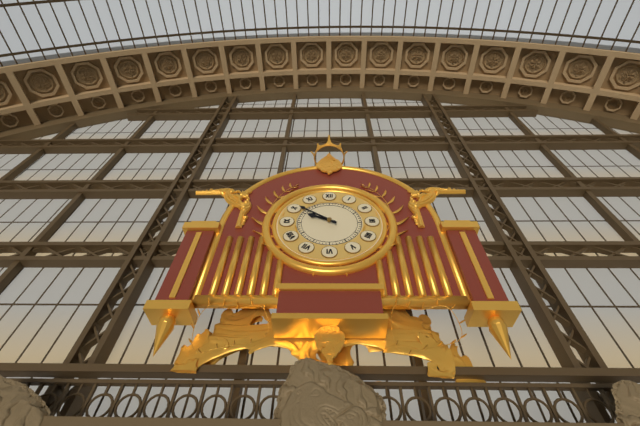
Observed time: 9h51
